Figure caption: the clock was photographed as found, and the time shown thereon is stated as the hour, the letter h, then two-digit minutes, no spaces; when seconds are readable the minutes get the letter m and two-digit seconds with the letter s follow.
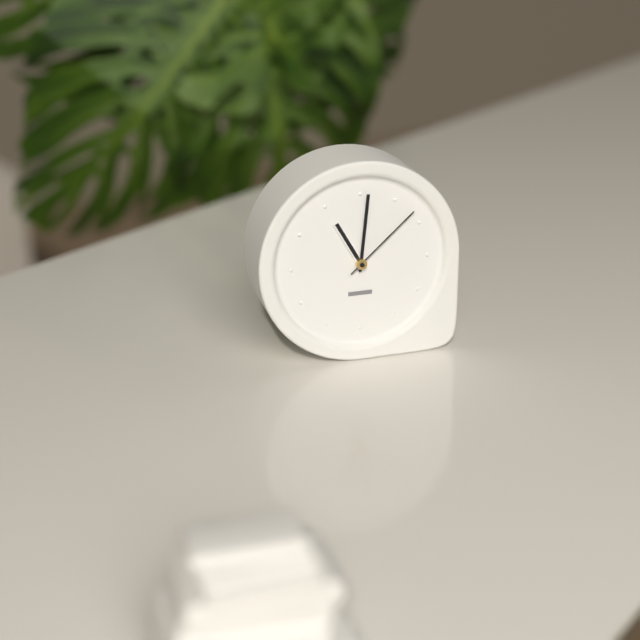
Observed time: 11h01m08s
